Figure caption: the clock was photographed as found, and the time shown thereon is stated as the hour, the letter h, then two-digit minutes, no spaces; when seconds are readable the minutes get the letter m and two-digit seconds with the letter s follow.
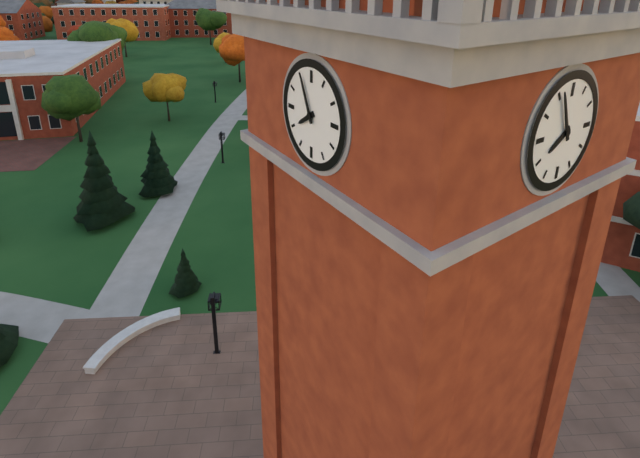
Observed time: 7h56
